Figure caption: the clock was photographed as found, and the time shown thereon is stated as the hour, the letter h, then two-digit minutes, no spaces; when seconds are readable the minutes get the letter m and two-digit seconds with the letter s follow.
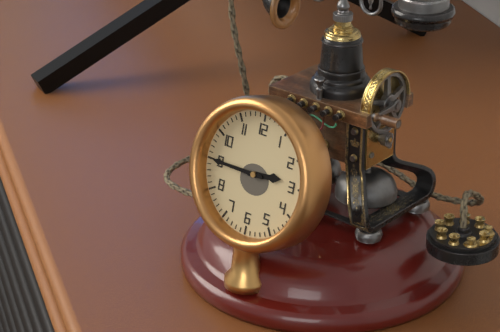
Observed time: 2h45
